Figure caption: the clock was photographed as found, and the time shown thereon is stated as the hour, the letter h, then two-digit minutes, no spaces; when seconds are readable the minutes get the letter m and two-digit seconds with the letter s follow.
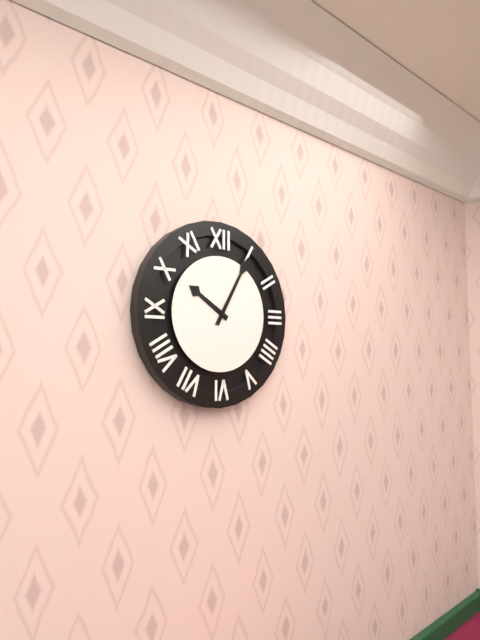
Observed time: 10h05
